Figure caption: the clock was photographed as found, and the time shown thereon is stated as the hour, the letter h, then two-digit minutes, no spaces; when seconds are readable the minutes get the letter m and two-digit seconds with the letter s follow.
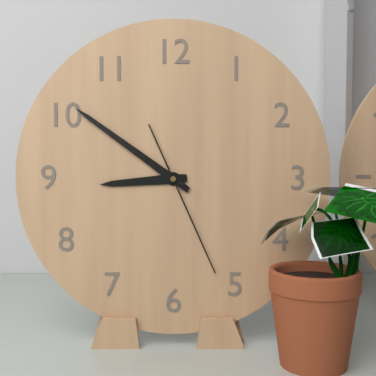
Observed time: 8h51m26s
